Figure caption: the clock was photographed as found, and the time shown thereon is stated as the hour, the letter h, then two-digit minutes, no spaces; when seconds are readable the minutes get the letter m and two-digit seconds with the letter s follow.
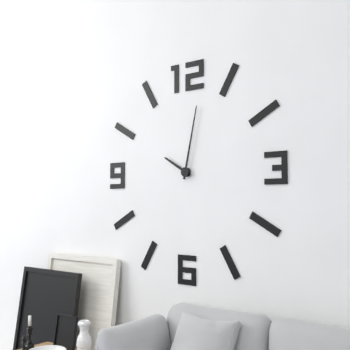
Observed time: 10h02
